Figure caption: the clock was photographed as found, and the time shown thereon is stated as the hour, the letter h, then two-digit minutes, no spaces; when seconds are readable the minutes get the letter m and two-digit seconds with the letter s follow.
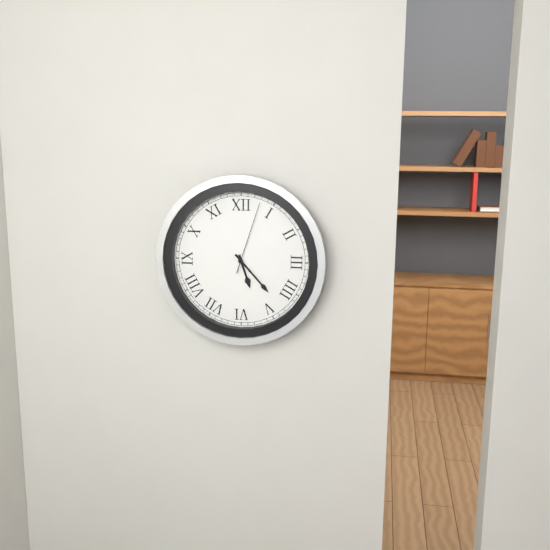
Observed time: 5h23m03s
